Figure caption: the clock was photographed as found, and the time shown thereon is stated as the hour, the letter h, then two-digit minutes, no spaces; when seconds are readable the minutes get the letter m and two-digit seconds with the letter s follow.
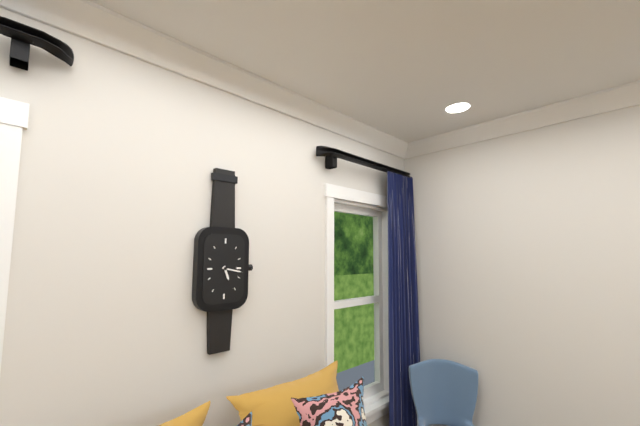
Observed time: 5h17
